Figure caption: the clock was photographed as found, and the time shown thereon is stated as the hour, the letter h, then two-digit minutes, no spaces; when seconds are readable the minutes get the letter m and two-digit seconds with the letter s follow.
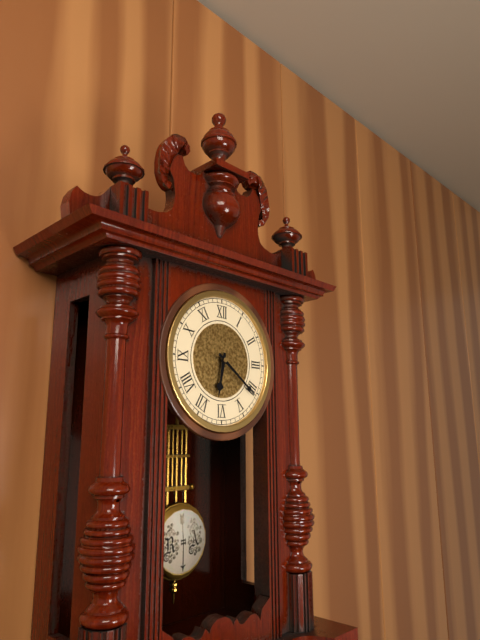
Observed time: 6h21
